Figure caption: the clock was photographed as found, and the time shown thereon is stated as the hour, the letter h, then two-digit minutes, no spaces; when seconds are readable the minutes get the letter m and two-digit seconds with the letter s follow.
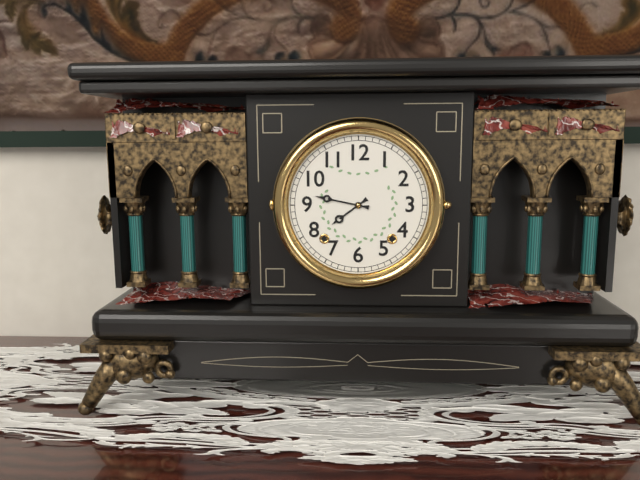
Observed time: 7h47
